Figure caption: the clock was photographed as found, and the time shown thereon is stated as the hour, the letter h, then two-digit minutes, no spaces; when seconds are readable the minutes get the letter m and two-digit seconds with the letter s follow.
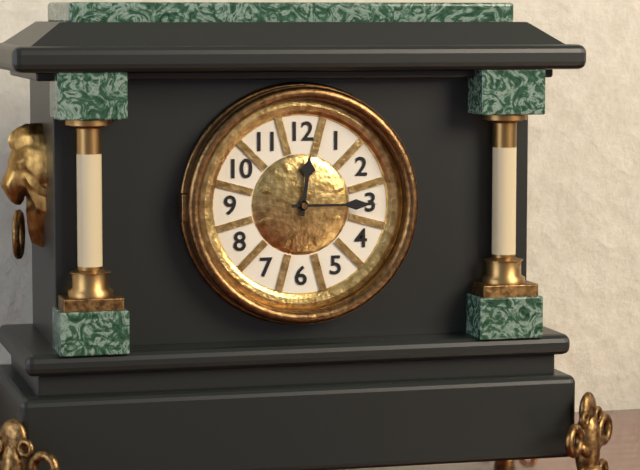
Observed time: 12h15
